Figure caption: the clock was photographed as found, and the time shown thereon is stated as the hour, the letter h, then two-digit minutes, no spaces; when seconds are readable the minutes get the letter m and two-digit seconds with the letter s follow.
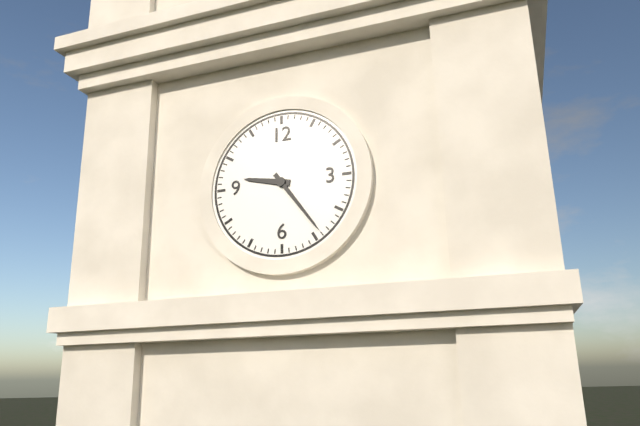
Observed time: 9h24
